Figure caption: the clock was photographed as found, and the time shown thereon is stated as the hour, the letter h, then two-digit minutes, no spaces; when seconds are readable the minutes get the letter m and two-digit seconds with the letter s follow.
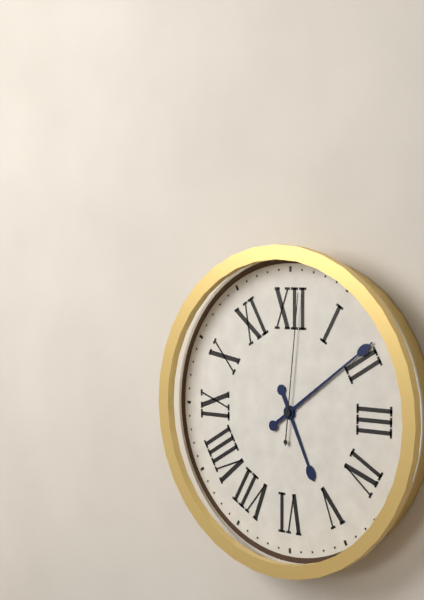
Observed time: 5h09m01s
